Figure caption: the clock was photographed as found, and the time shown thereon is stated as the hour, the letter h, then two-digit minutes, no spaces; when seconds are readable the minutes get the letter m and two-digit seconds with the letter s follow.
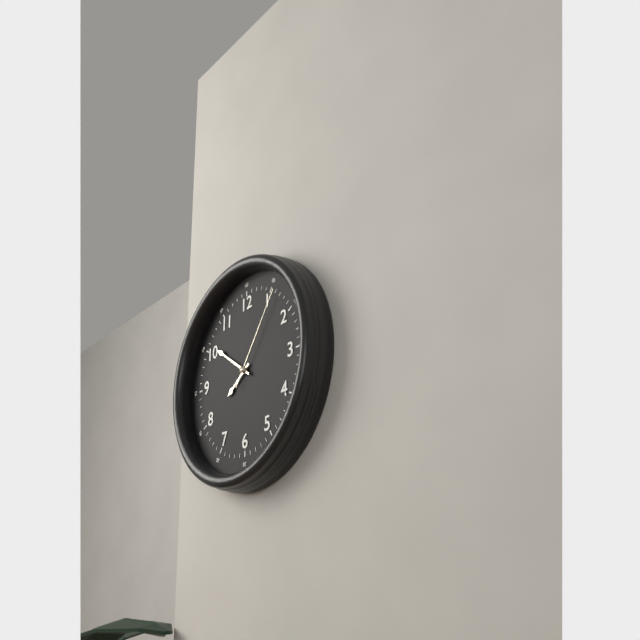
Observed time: 7h51m06s
